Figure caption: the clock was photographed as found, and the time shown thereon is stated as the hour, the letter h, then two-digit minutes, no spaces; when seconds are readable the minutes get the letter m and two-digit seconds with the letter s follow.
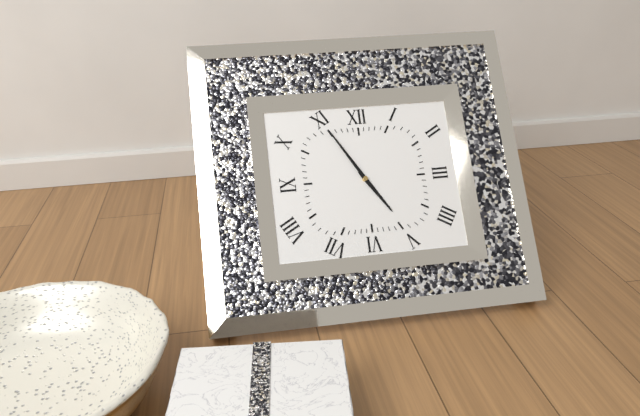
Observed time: 4h55
